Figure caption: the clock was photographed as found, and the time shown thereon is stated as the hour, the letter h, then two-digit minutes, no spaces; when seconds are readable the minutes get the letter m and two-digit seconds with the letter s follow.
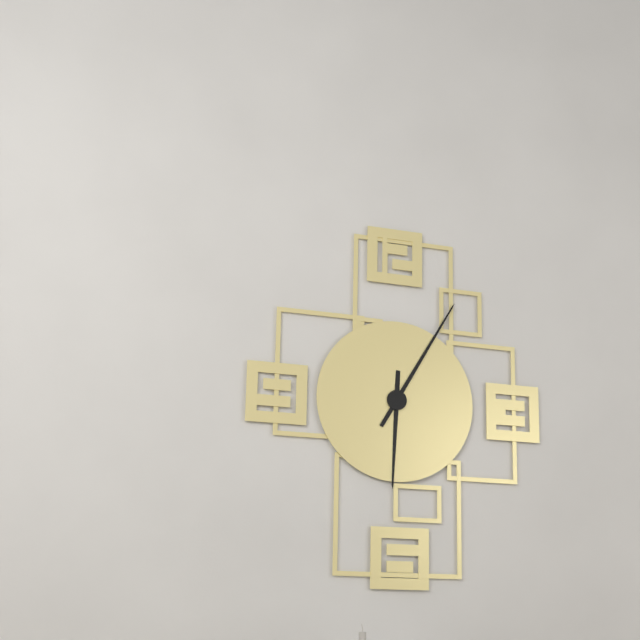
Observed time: 6h05
